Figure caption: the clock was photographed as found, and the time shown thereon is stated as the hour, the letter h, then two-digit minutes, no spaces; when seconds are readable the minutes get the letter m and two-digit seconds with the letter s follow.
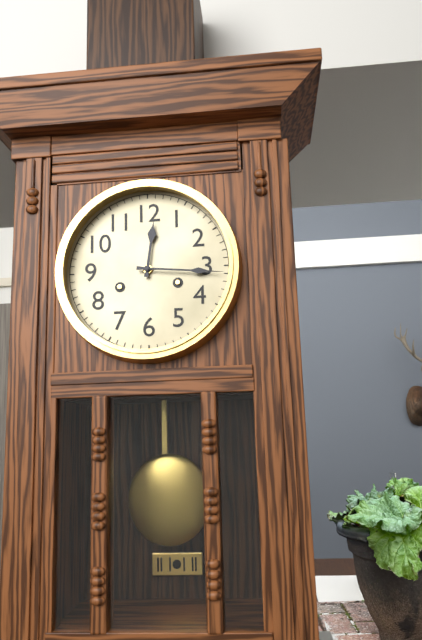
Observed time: 12h16
